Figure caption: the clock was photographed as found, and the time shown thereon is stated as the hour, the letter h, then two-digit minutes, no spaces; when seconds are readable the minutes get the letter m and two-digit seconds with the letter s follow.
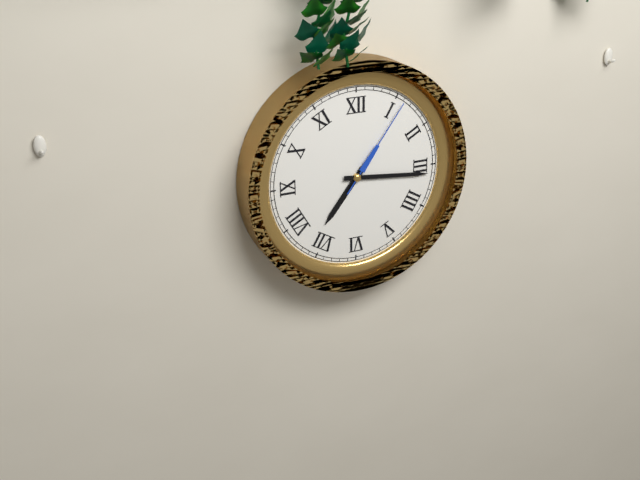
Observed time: 7h16m06s
